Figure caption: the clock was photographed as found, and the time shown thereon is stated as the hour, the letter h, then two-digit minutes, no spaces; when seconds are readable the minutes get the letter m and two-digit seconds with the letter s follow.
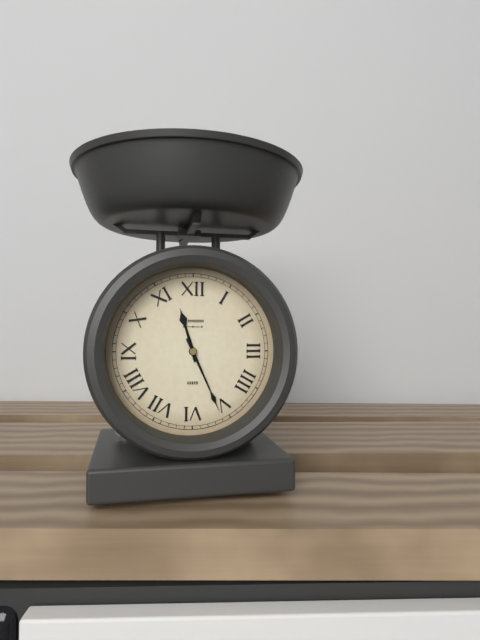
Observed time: 11h26
